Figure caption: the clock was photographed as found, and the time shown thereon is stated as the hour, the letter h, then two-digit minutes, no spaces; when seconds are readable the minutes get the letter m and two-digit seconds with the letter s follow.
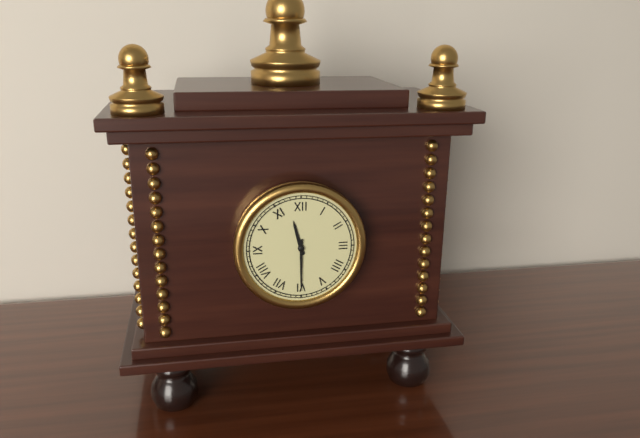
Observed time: 11h30
